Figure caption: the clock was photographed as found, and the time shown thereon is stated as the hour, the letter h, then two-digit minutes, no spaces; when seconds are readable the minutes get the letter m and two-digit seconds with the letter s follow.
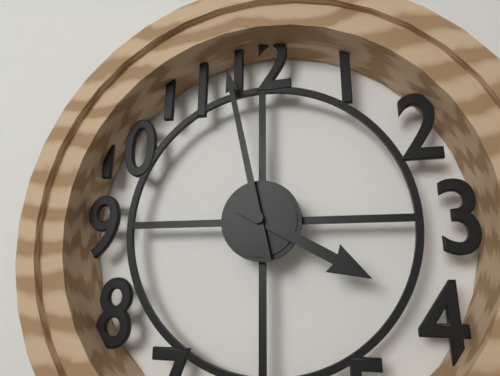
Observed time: 3h58
